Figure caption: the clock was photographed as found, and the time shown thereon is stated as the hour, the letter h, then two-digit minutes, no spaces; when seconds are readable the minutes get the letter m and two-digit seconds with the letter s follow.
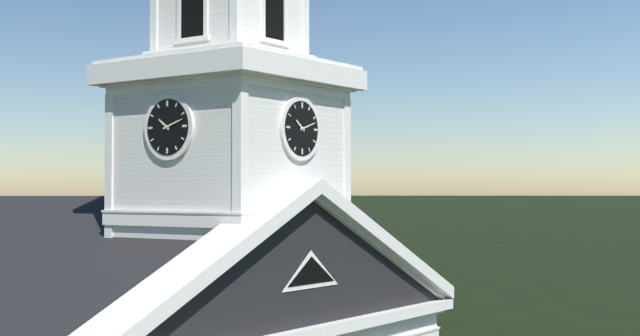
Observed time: 10h12
